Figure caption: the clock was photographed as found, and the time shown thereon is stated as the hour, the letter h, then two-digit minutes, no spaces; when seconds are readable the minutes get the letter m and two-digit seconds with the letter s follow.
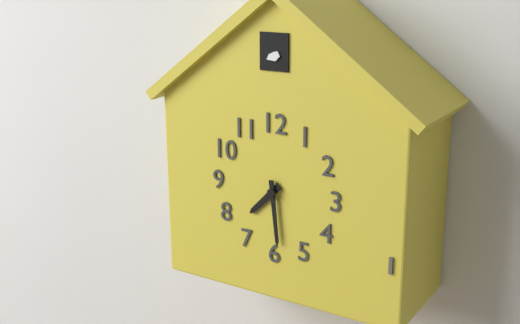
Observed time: 7h29
